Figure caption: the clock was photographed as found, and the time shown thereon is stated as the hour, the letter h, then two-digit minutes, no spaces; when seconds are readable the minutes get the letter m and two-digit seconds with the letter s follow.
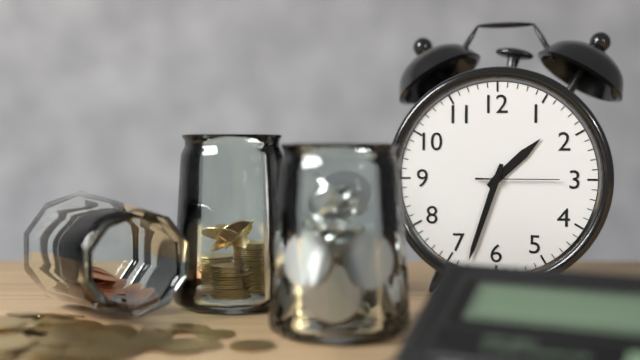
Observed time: 1h33m15s
